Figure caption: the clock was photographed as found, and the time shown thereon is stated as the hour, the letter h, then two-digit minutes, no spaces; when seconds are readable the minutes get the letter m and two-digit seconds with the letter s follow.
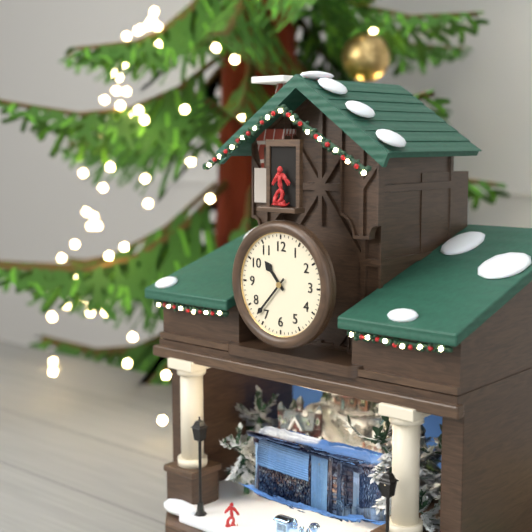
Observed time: 10h37
